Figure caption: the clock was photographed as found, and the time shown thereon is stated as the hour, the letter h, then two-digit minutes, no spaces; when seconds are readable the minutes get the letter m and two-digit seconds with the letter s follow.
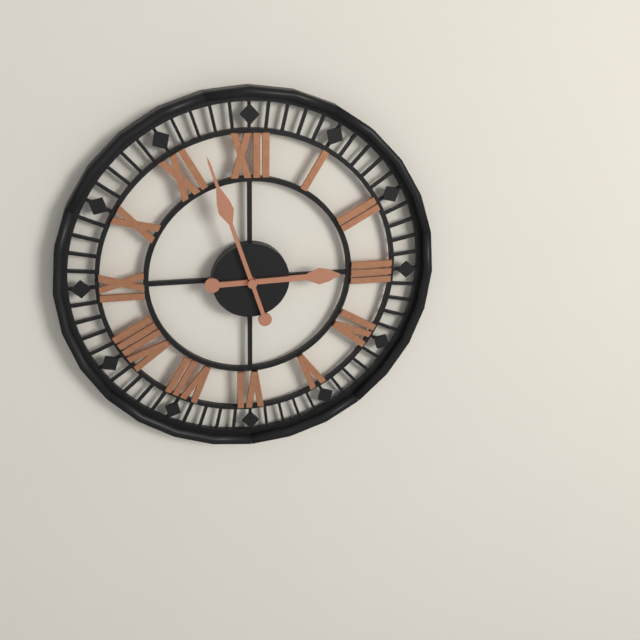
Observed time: 2h57
